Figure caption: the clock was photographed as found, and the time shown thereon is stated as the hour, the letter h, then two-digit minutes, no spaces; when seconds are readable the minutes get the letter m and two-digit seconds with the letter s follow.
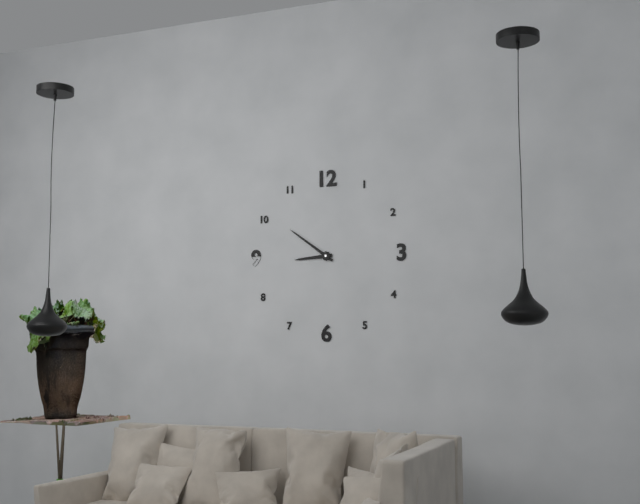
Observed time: 8h51
